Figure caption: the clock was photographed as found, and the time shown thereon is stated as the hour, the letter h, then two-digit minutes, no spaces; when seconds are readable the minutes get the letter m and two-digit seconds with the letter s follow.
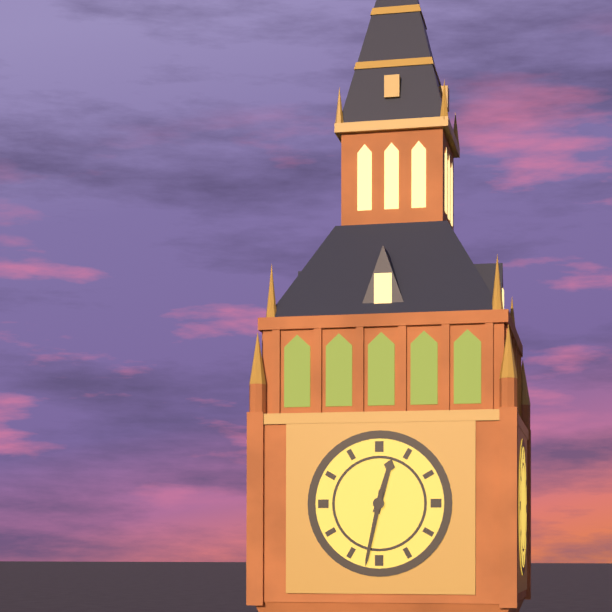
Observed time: 12h32
